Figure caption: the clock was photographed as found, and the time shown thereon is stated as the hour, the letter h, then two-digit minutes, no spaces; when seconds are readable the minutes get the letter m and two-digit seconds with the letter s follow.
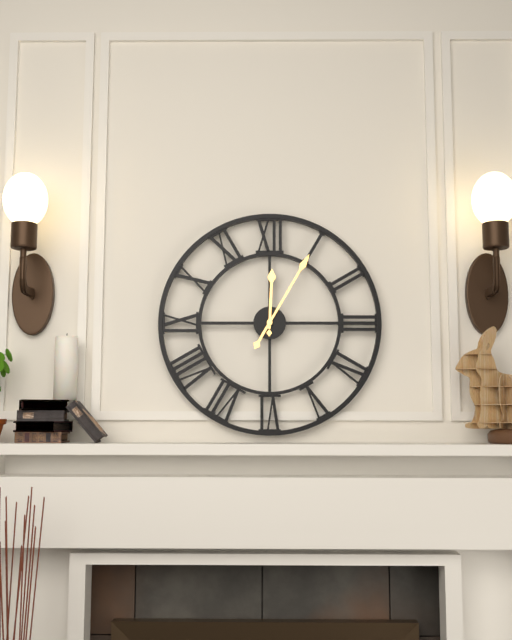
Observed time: 12h05
